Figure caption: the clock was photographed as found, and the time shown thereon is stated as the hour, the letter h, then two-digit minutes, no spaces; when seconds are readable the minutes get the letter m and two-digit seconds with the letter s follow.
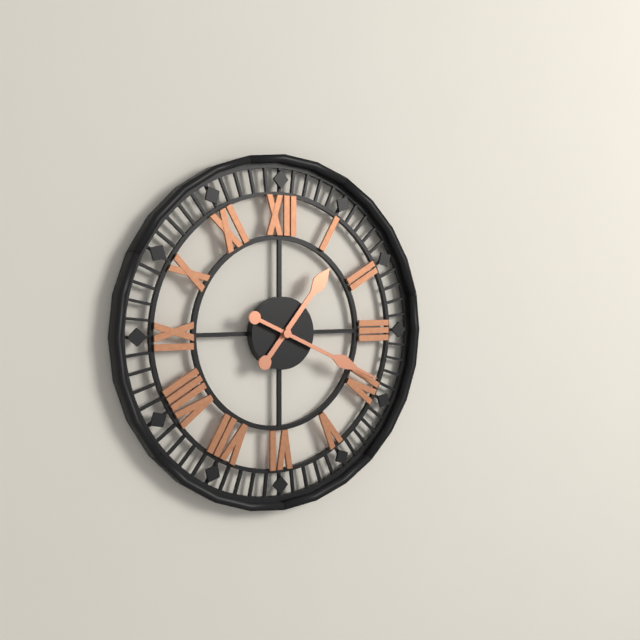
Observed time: 1h19
